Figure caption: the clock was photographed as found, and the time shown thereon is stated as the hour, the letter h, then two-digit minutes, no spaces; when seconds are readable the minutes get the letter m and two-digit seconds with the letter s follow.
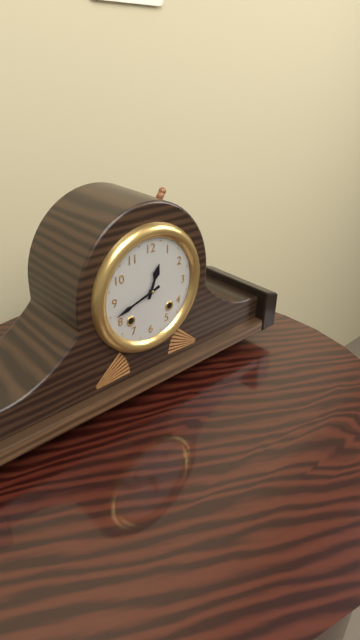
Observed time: 12h42
